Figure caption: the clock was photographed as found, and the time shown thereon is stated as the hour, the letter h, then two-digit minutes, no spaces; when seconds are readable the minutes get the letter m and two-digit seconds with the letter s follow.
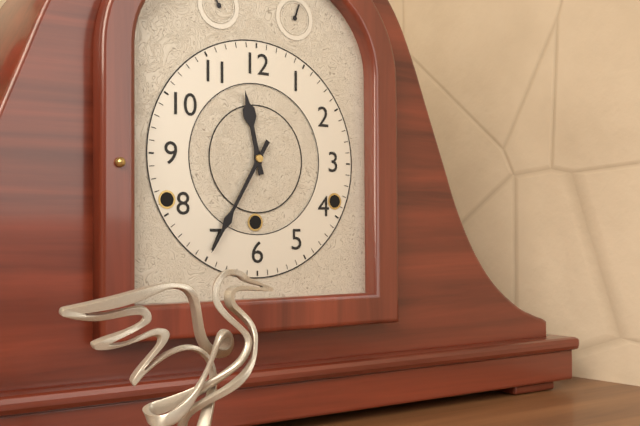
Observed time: 11h35
